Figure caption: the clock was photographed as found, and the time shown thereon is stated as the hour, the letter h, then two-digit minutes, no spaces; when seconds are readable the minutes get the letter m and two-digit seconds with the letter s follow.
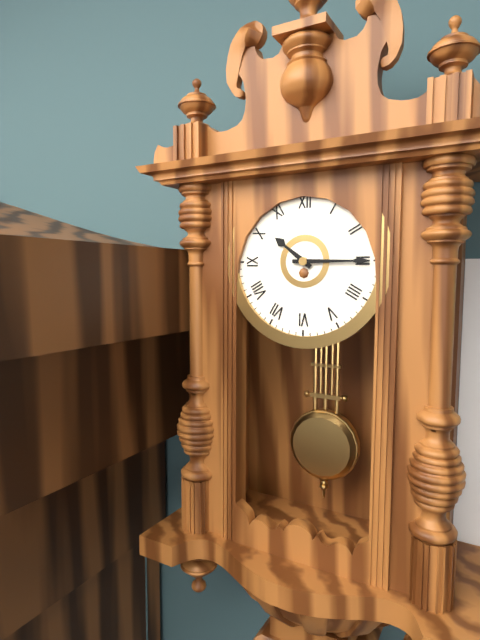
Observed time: 10h15
